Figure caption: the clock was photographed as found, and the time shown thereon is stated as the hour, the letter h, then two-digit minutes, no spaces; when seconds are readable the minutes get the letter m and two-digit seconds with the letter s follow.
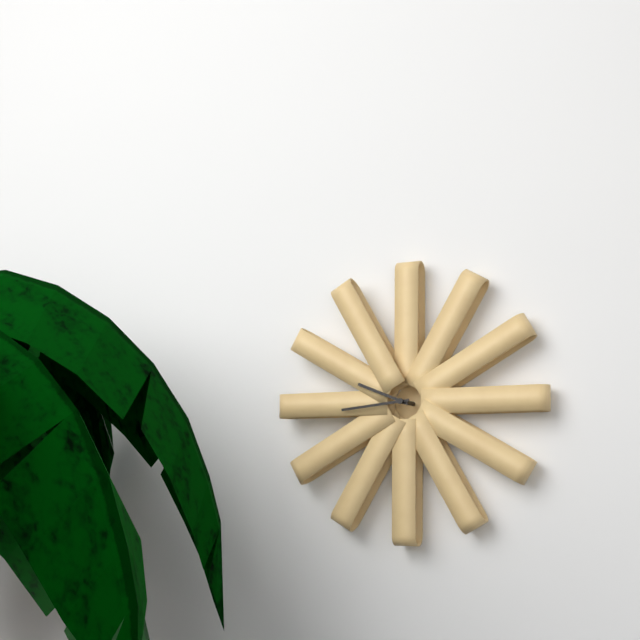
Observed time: 9h44
